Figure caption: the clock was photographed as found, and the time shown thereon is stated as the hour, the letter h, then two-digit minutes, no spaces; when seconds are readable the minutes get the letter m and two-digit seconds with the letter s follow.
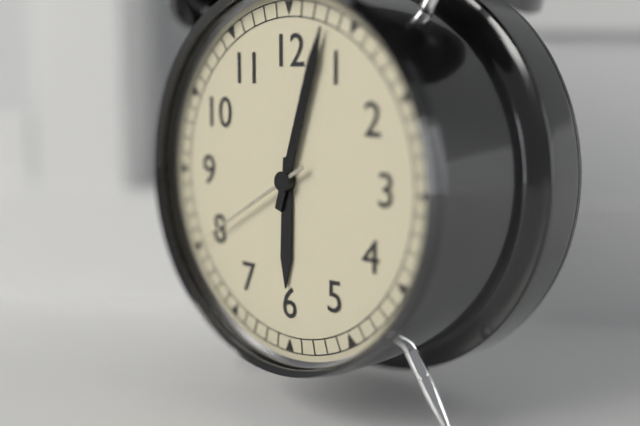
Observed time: 6h03m40s
